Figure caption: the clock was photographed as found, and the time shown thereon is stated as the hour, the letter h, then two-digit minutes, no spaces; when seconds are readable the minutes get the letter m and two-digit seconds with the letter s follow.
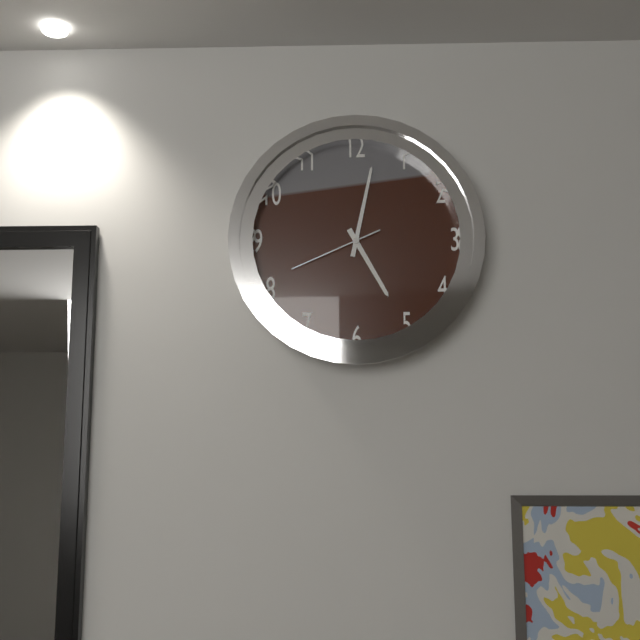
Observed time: 5h02m41s
